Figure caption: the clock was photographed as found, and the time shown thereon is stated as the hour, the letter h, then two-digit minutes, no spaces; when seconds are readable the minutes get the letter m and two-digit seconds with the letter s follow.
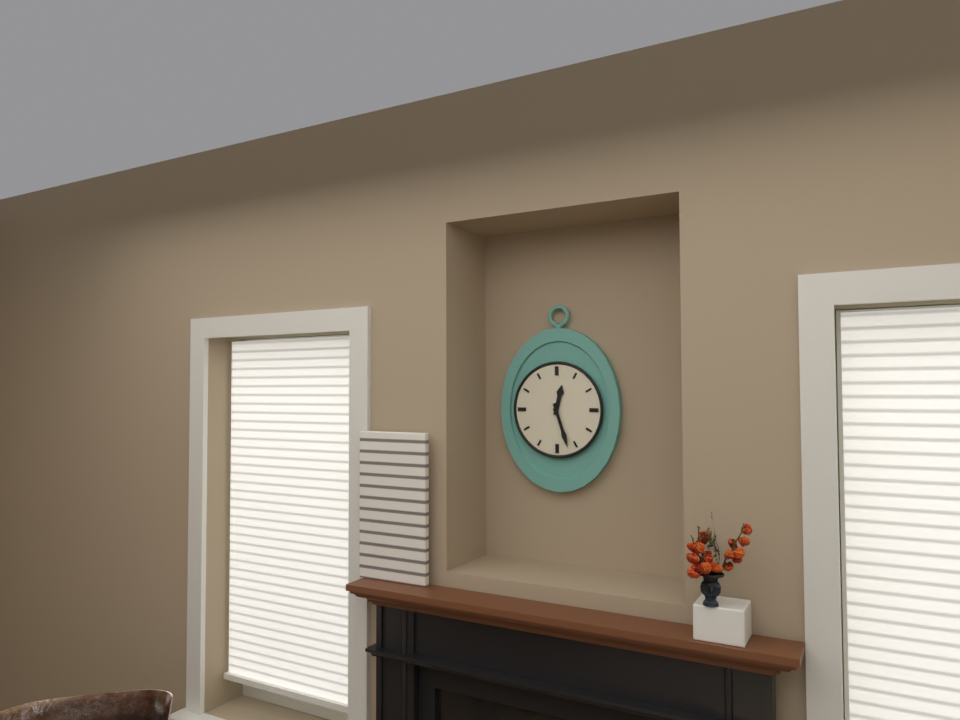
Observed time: 12h27
